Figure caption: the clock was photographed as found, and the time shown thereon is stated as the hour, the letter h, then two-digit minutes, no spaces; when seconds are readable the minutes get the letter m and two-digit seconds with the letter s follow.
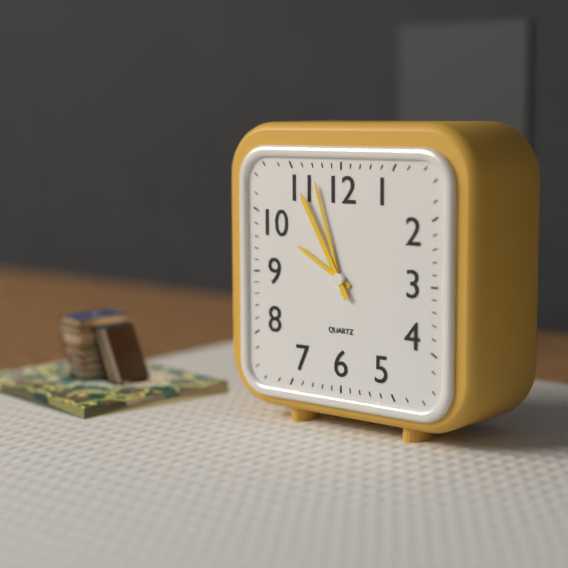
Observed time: 9h57m55s
